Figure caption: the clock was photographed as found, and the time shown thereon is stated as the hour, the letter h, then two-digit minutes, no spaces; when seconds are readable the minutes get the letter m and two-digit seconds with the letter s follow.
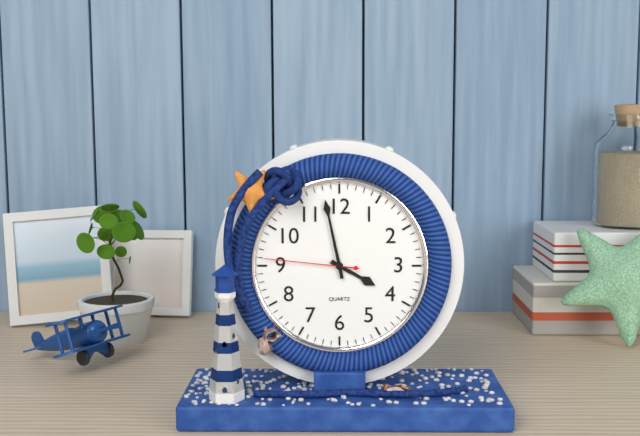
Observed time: 3h58m46s
